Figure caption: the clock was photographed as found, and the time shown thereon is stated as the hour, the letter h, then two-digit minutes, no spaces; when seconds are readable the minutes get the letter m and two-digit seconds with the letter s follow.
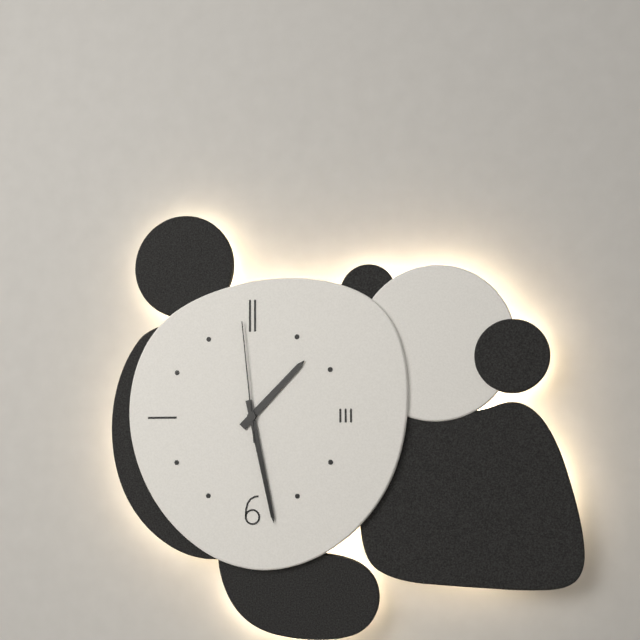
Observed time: 1h28m59s
